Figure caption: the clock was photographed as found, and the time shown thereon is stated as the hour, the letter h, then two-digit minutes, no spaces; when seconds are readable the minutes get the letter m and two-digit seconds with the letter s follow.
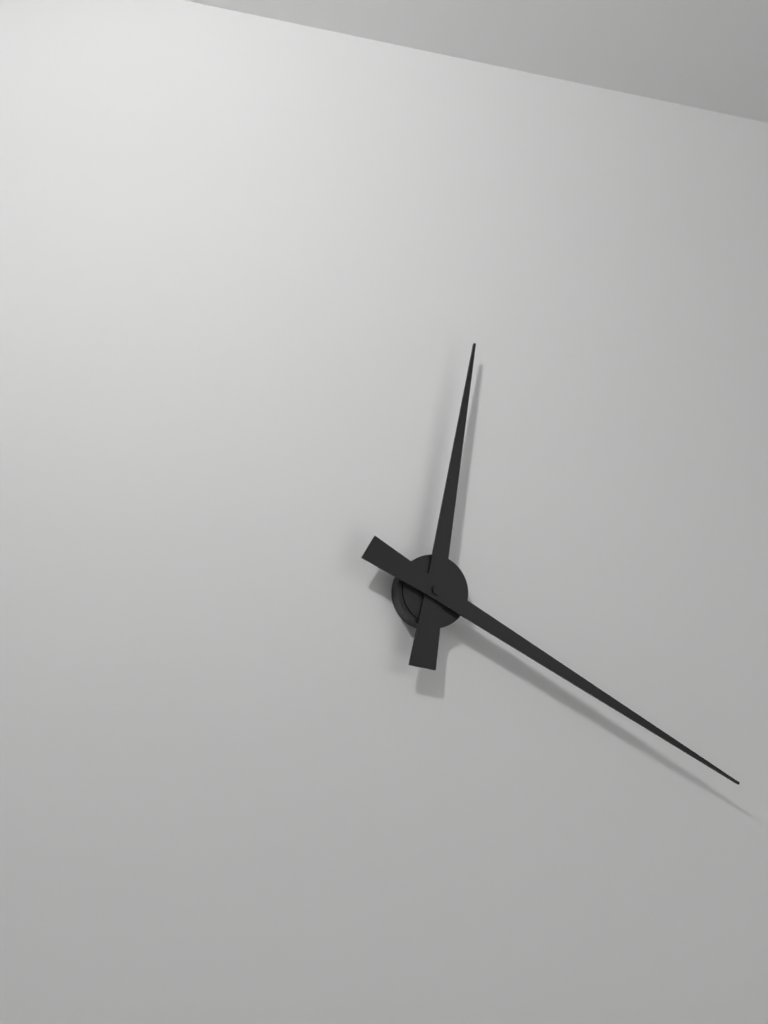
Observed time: 12h20
